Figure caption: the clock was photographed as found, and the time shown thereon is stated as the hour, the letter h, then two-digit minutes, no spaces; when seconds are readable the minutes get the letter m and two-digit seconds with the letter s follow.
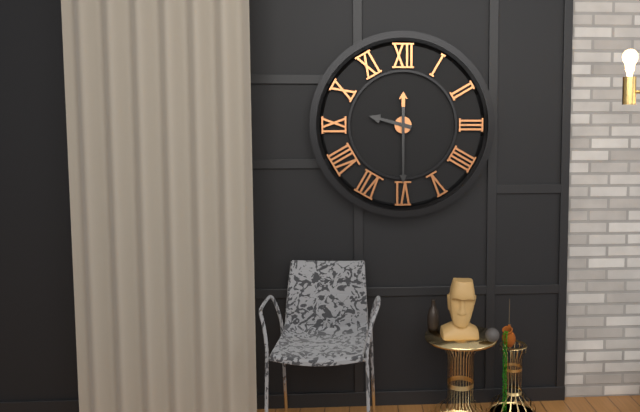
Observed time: 9h30
